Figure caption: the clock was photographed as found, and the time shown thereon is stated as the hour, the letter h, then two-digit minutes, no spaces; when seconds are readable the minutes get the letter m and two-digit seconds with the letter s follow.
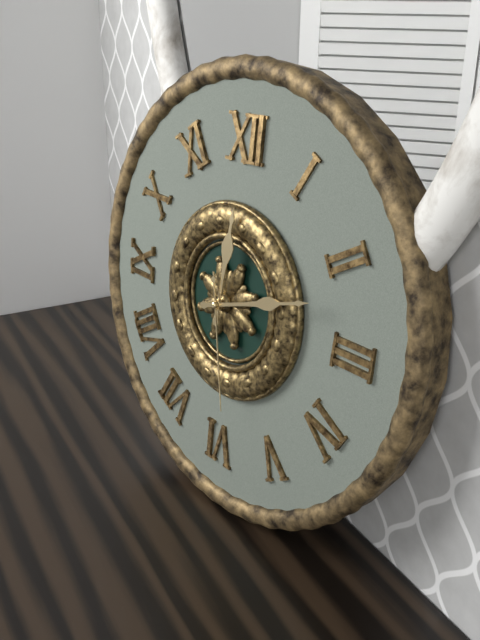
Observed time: 12h12m28s
